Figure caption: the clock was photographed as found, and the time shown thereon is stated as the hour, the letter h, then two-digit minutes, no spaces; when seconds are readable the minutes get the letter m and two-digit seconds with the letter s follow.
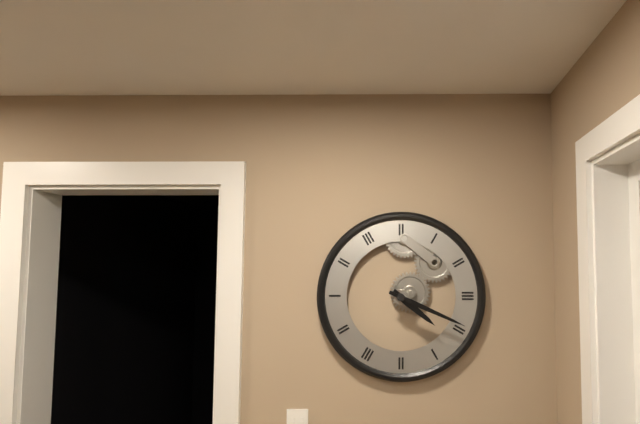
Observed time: 4h19
